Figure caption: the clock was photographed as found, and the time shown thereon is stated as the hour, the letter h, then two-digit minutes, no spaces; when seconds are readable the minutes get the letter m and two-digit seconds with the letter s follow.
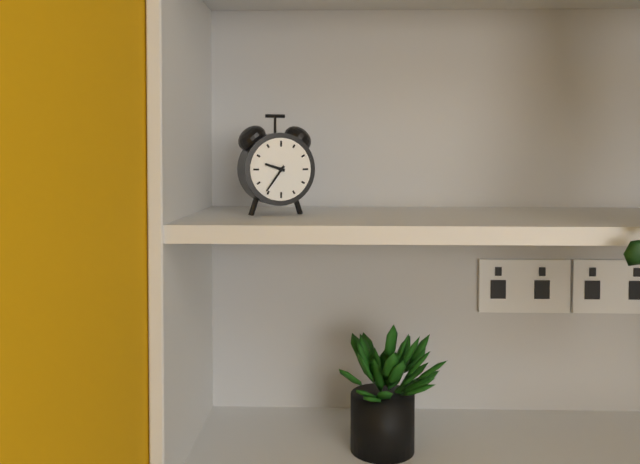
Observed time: 9h36
